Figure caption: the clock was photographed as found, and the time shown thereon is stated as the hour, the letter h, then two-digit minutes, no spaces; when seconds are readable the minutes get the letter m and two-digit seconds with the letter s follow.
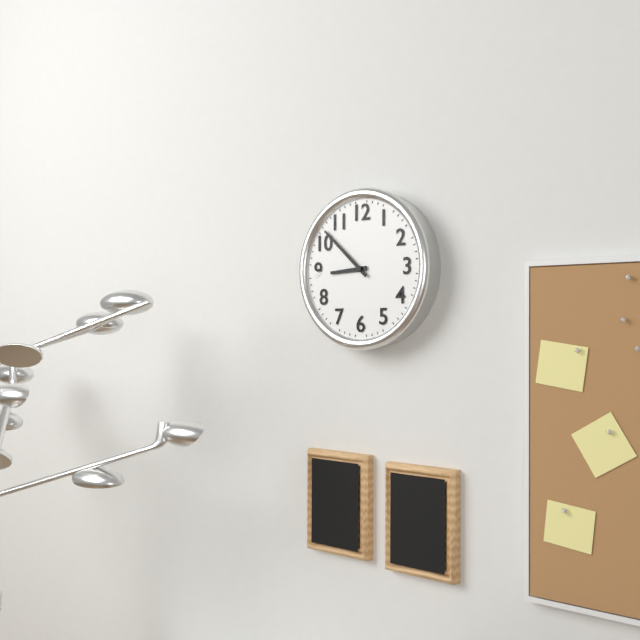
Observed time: 8h52
